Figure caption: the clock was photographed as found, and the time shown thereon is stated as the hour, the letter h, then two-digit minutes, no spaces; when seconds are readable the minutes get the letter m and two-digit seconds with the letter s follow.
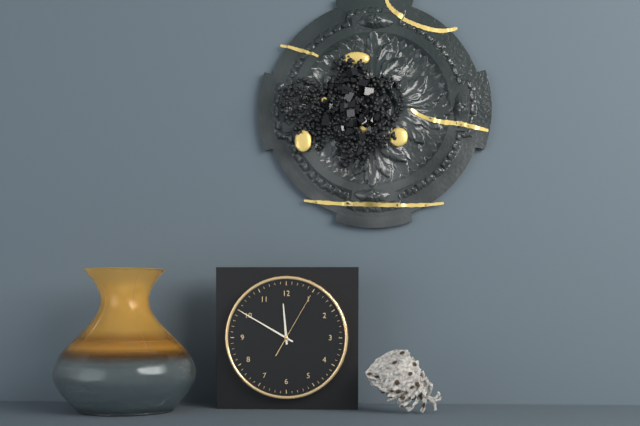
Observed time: 11h50m05s
